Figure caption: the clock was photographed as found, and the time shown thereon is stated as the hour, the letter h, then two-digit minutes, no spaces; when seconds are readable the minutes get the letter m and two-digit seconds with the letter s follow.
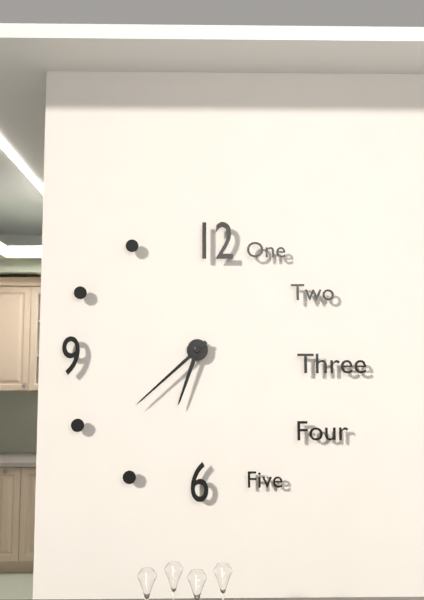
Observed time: 6h38
